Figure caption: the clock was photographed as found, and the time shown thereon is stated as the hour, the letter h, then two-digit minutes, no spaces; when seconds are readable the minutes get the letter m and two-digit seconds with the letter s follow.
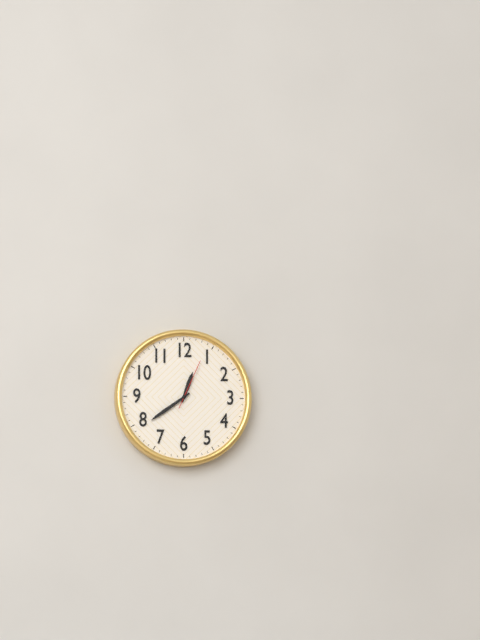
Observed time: 12h39m04s
